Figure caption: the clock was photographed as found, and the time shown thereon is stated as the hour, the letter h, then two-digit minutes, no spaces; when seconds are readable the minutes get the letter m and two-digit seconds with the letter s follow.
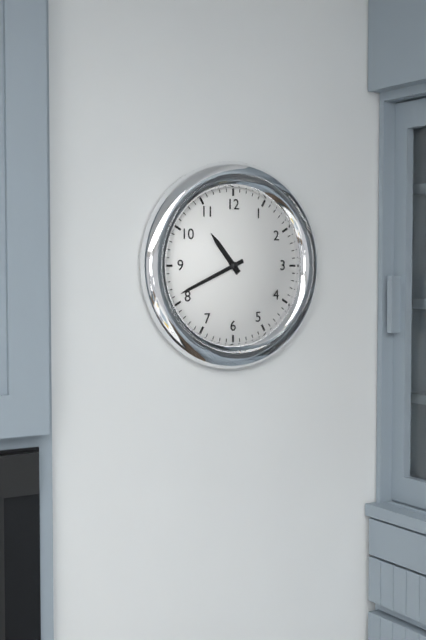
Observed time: 10h41
